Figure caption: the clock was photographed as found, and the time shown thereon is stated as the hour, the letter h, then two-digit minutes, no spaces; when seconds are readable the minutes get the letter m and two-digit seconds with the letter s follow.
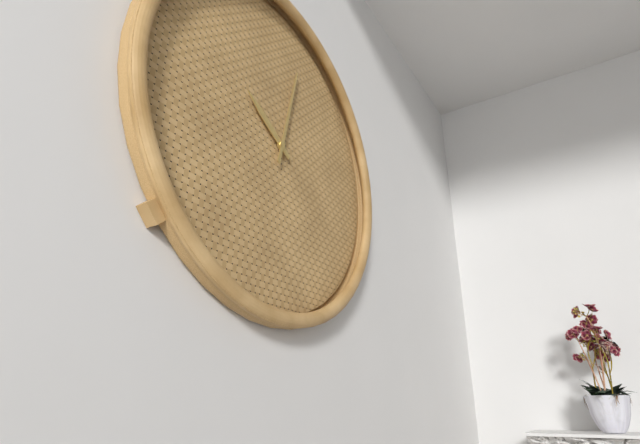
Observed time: 10h02
